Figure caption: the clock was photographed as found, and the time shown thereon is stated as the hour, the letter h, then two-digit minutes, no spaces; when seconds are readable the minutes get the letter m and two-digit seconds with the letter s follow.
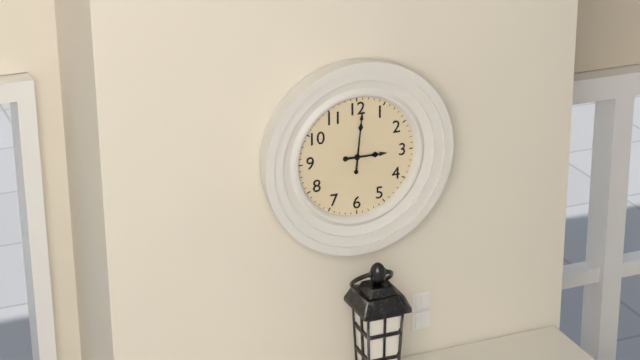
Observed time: 3h01
